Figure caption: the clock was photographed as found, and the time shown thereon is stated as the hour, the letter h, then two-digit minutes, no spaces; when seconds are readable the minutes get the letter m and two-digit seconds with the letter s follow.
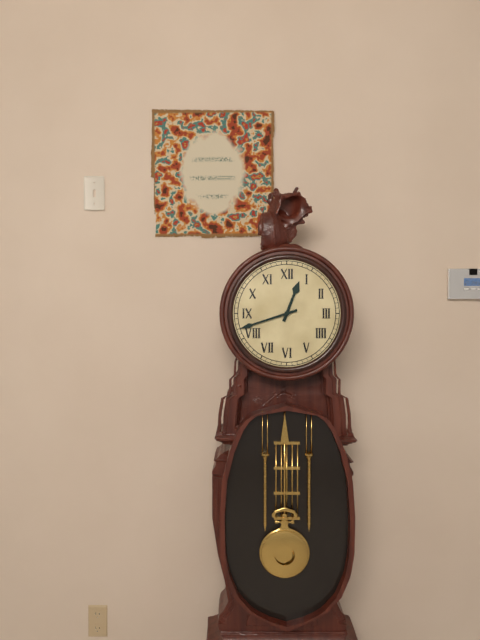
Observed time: 12h42
